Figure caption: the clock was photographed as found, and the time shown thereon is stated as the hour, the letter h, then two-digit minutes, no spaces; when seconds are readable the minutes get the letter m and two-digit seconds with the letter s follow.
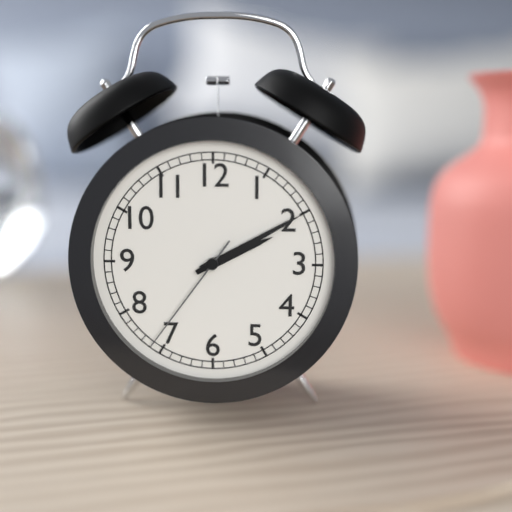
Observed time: 2h10m36s
